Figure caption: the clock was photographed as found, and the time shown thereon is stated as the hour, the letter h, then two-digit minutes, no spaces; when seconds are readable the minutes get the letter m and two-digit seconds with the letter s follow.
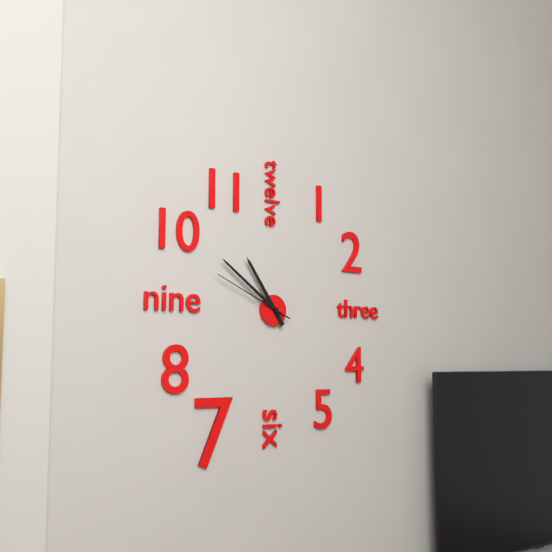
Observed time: 10h51m49s
